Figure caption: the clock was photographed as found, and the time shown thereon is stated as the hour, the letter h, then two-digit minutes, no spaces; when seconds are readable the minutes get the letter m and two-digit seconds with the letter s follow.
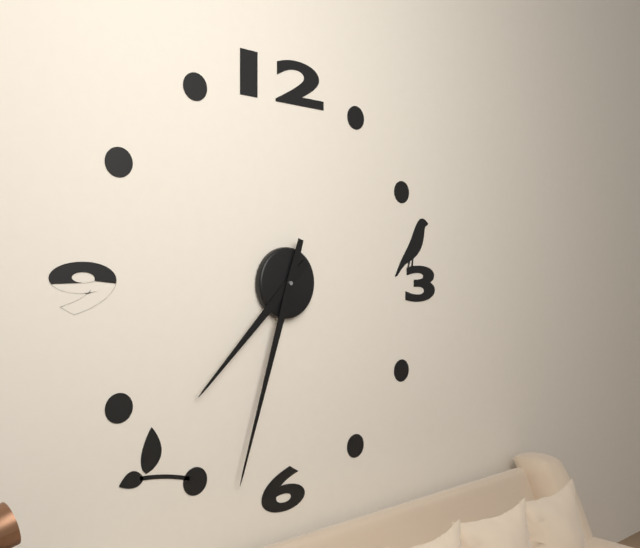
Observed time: 7h33
